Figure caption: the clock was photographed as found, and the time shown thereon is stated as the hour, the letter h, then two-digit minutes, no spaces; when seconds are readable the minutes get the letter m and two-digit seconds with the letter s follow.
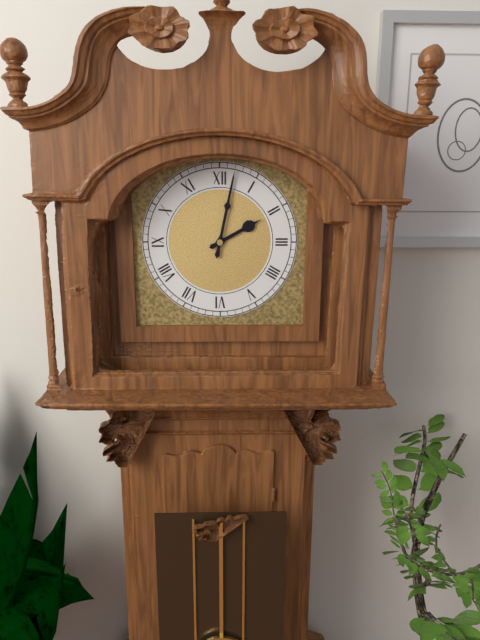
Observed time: 2h02
